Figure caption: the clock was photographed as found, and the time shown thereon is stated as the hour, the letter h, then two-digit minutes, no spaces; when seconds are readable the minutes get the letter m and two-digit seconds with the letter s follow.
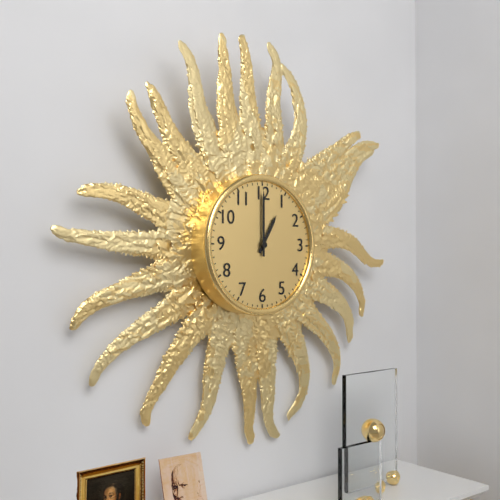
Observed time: 1h00
